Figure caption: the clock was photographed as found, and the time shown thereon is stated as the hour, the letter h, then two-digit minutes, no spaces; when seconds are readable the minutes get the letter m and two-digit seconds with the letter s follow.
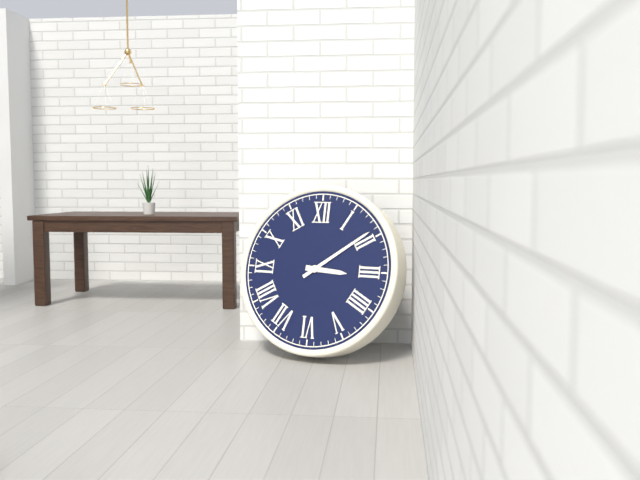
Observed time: 3h09
